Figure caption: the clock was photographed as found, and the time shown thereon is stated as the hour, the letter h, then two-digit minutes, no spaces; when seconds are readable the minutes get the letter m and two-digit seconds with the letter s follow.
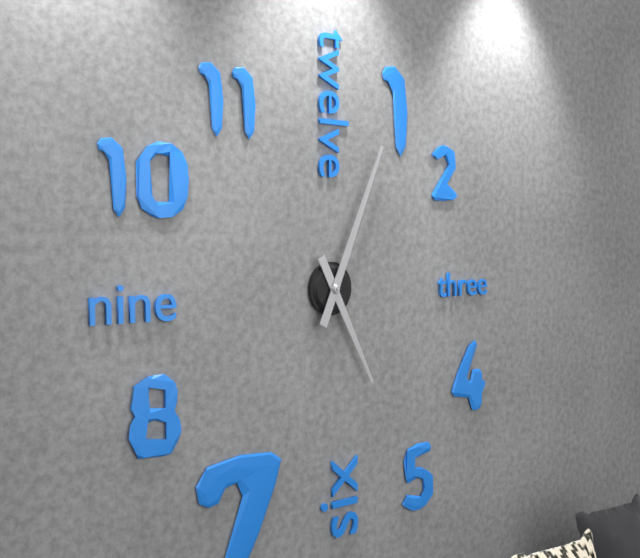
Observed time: 5h04
